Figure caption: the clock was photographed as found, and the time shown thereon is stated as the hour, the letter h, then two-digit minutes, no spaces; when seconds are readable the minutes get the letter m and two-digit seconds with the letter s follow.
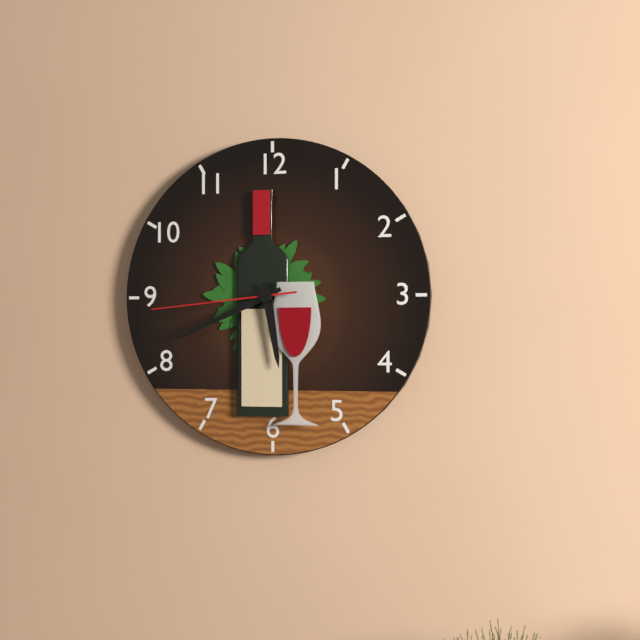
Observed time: 5h41m44s
